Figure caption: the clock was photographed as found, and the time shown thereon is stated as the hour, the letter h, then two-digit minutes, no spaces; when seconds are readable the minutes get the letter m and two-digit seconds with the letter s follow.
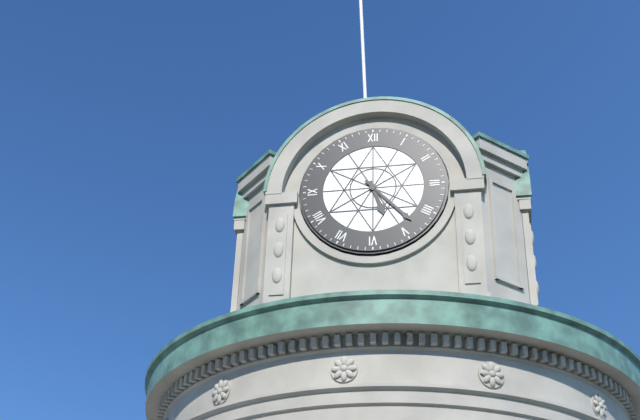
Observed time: 5h23
